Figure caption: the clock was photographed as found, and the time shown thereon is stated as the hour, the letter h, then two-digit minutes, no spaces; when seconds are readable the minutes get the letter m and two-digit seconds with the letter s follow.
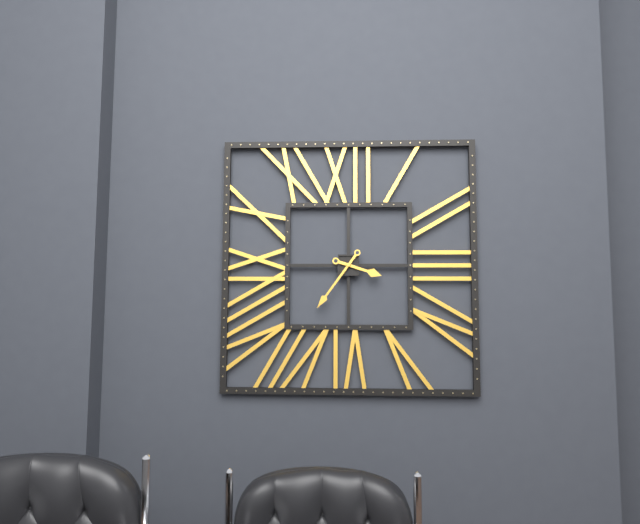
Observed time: 3h36
